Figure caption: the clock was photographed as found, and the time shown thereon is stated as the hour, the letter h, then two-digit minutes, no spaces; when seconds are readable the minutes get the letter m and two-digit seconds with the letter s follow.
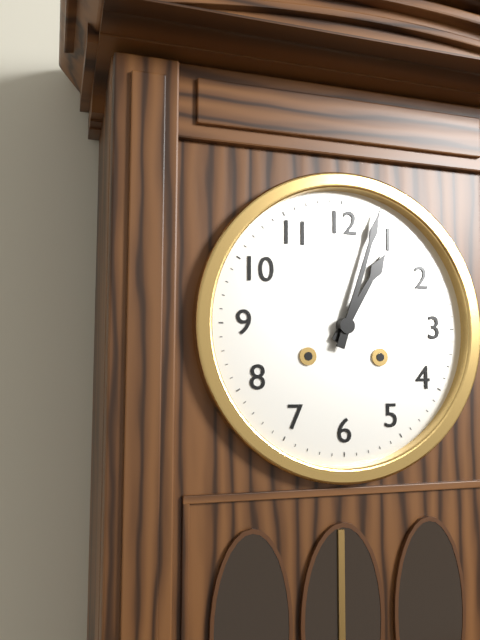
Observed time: 1h03
